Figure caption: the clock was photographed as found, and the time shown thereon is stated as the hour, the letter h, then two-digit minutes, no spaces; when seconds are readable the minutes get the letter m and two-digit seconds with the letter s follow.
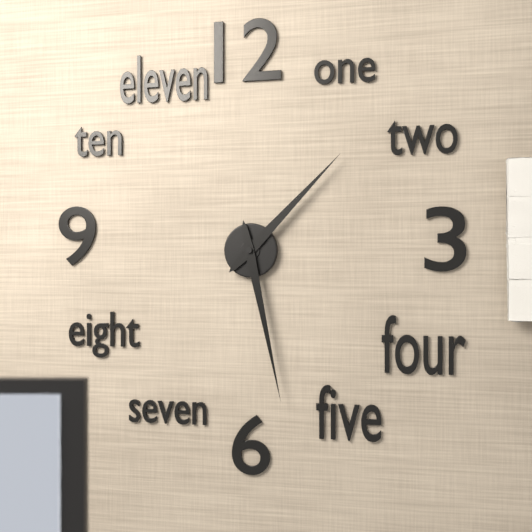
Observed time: 1h28
